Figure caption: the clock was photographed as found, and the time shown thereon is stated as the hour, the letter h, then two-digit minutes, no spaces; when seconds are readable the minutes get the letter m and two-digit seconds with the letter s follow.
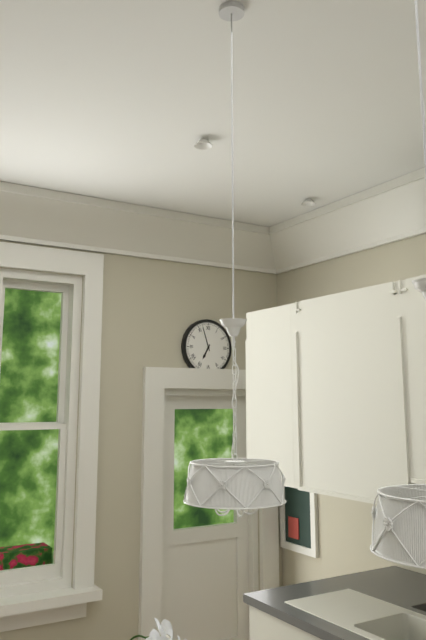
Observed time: 6h57
